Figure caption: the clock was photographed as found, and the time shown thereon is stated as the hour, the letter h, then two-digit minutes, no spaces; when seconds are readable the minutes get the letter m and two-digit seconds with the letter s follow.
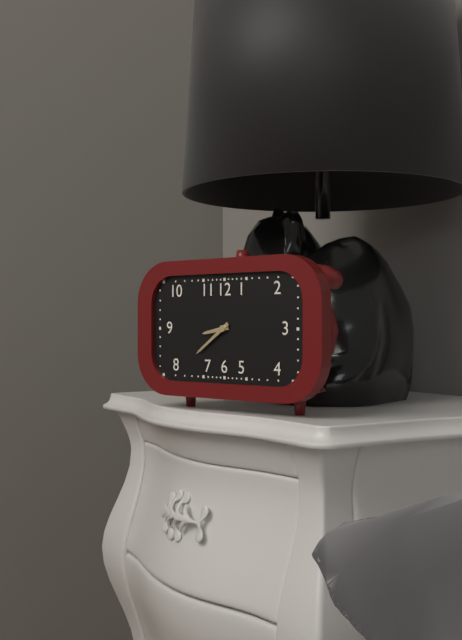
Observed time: 8h39
